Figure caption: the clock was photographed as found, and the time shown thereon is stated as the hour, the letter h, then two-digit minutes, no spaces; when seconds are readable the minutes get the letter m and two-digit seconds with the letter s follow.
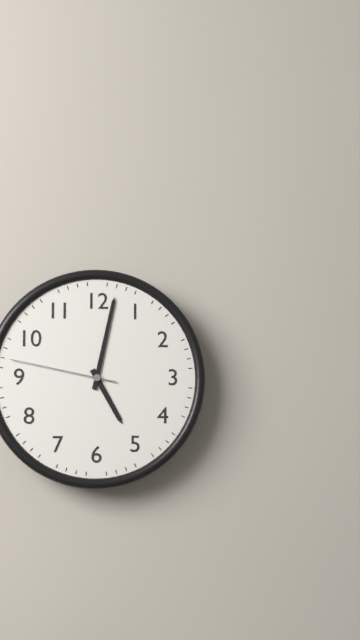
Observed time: 5h02m47s
